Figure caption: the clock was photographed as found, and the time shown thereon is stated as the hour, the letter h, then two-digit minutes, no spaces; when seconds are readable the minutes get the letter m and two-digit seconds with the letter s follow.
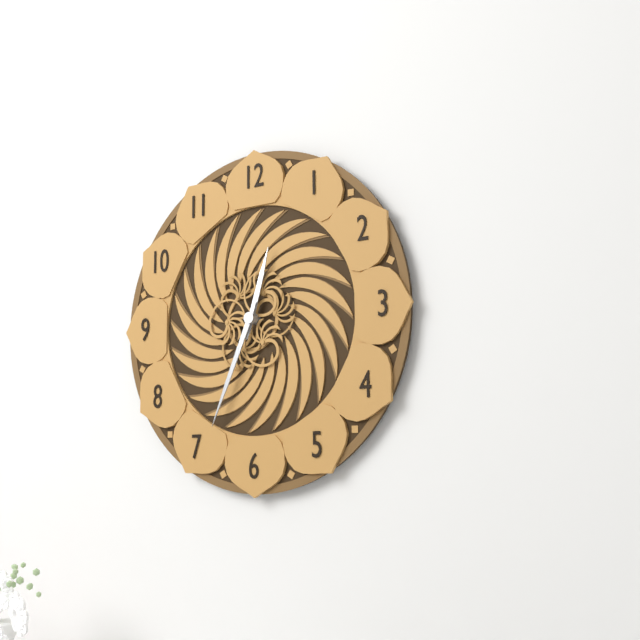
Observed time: 12h34
